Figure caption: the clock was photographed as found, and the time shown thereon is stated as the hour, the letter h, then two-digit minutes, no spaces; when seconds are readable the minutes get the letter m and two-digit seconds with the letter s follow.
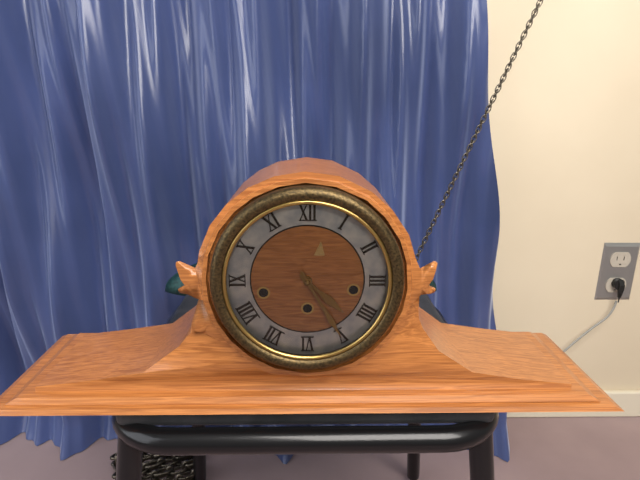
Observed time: 4h25
